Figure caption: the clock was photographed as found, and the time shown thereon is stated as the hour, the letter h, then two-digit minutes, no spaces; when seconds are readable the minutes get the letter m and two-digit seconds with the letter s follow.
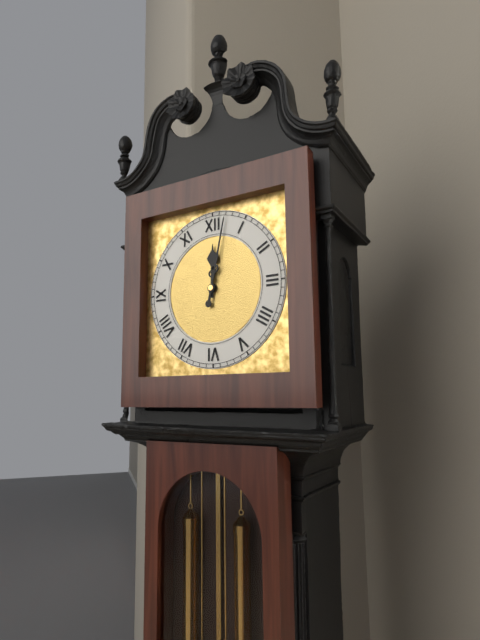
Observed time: 12h02
